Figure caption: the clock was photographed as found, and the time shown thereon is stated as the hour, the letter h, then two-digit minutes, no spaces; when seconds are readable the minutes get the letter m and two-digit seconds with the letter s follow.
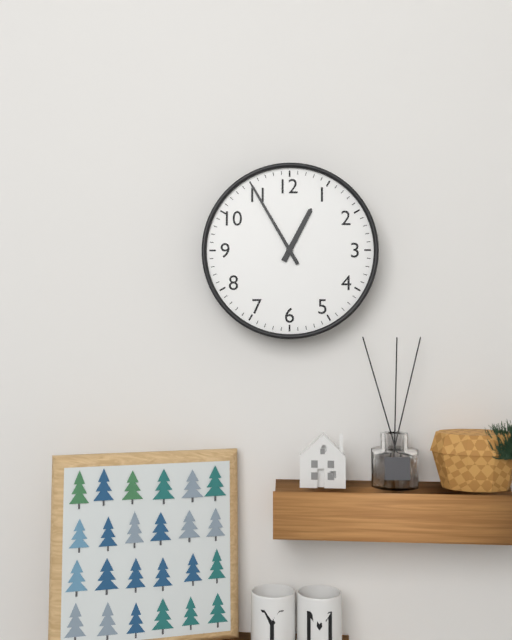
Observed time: 12h55
